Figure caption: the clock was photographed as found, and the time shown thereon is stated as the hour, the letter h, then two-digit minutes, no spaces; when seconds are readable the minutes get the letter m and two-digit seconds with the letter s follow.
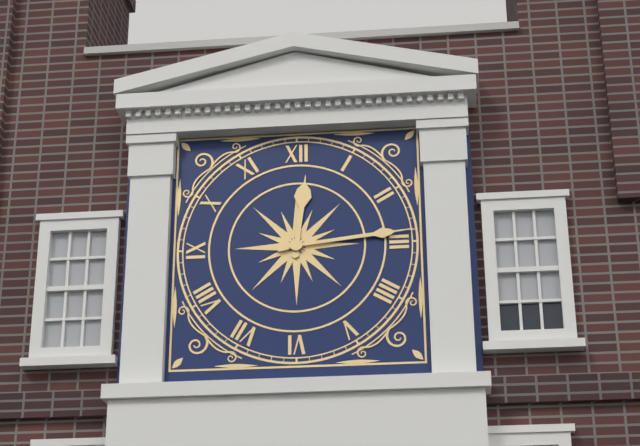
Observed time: 12h14
